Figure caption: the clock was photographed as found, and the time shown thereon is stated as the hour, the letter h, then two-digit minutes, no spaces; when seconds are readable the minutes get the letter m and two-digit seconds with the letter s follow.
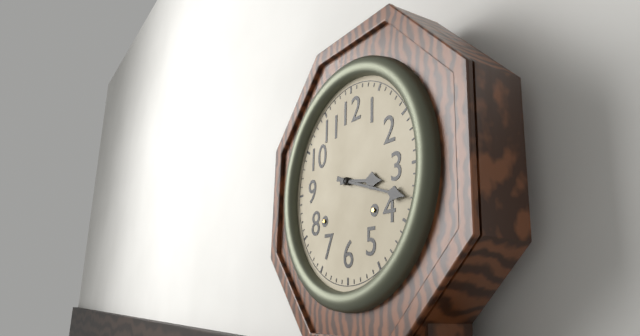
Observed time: 3h18
